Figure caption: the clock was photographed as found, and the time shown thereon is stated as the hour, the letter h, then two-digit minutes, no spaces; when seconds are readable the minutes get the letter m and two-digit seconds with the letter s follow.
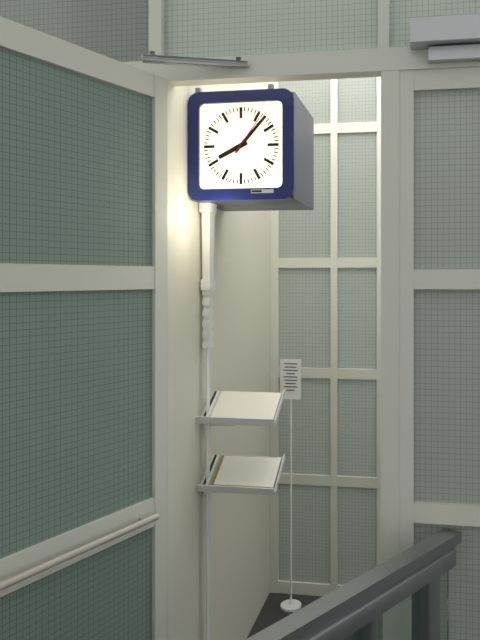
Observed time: 8h07
